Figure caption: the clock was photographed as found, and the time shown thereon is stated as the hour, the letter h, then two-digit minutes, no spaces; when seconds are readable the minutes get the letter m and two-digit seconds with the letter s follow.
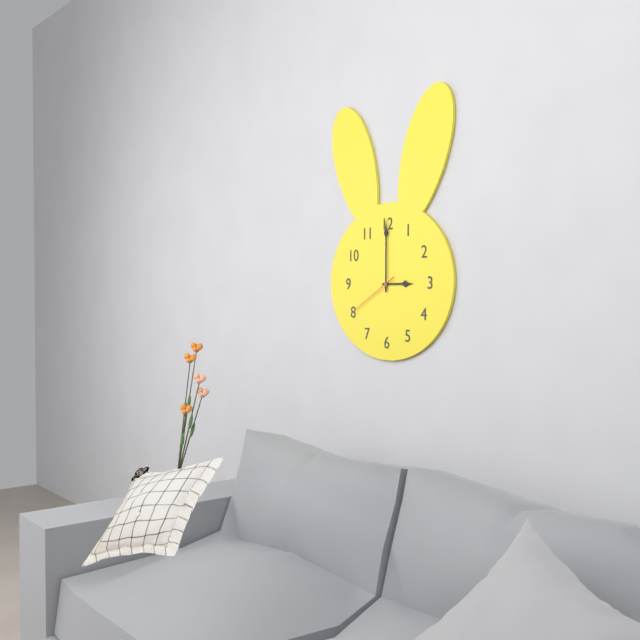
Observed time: 3h00m40s
